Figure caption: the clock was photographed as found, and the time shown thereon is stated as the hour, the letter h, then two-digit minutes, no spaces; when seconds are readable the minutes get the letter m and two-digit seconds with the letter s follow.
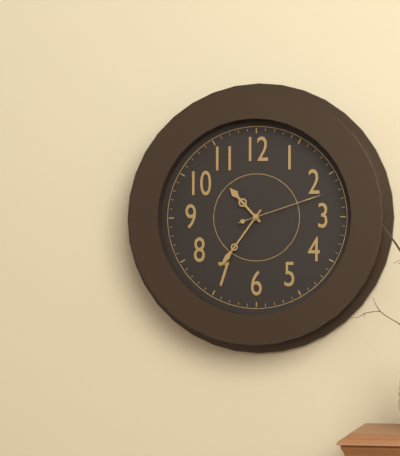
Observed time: 10h36m12s
